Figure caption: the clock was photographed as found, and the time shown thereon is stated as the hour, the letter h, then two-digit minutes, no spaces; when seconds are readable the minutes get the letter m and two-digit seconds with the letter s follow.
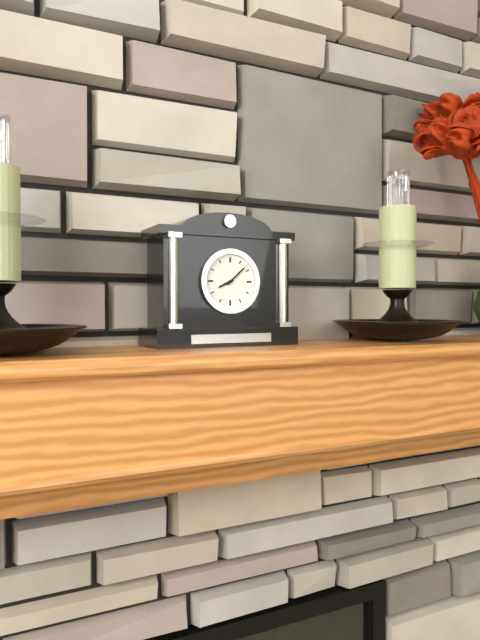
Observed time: 8h08
